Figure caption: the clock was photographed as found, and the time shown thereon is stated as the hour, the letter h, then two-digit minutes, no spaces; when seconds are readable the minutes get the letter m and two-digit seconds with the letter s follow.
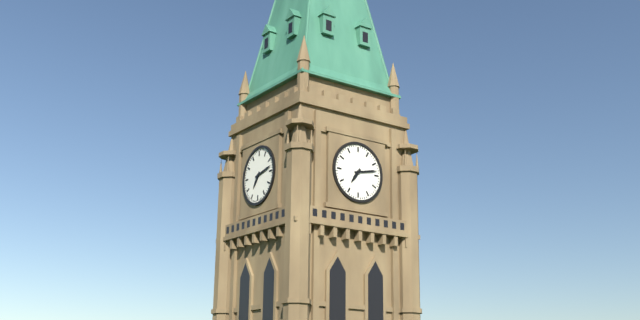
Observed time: 7h13
